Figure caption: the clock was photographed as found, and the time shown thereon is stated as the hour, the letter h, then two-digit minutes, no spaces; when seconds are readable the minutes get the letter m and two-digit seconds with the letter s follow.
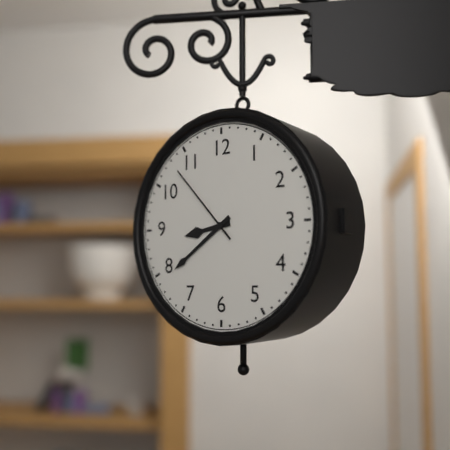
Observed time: 8h39m53s
